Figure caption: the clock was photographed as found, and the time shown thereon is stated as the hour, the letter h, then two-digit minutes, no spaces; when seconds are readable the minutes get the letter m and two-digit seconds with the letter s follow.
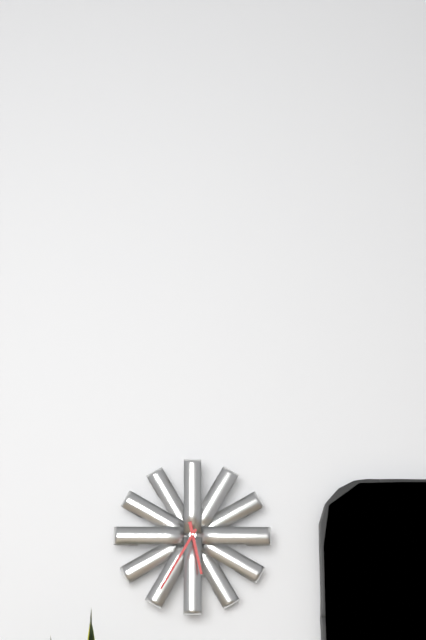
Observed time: 5h35
